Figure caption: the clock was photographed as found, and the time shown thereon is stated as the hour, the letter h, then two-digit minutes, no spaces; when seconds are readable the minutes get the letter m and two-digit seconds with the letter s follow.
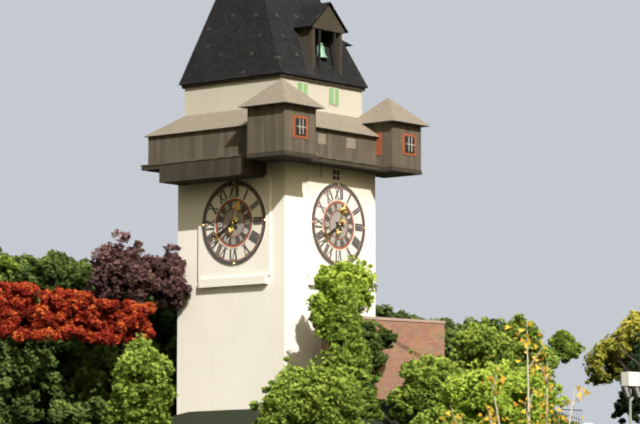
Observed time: 12h40
